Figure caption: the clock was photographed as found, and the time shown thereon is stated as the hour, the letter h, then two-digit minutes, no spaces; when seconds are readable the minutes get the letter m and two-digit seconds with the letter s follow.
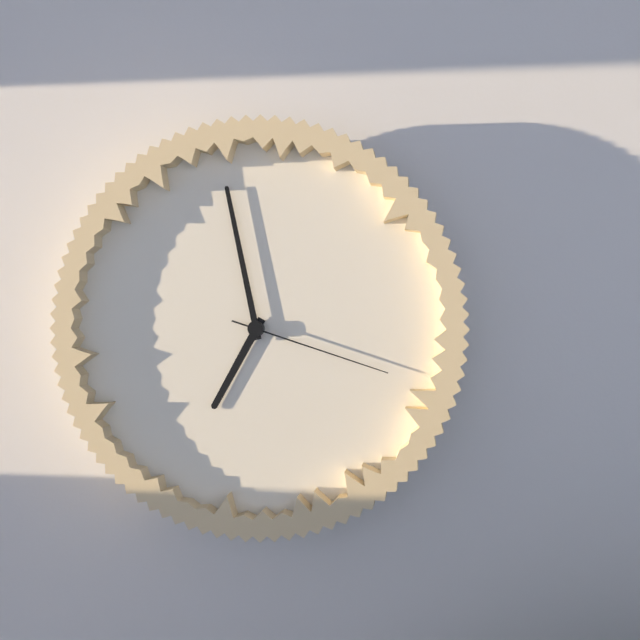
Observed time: 6h58m18s
